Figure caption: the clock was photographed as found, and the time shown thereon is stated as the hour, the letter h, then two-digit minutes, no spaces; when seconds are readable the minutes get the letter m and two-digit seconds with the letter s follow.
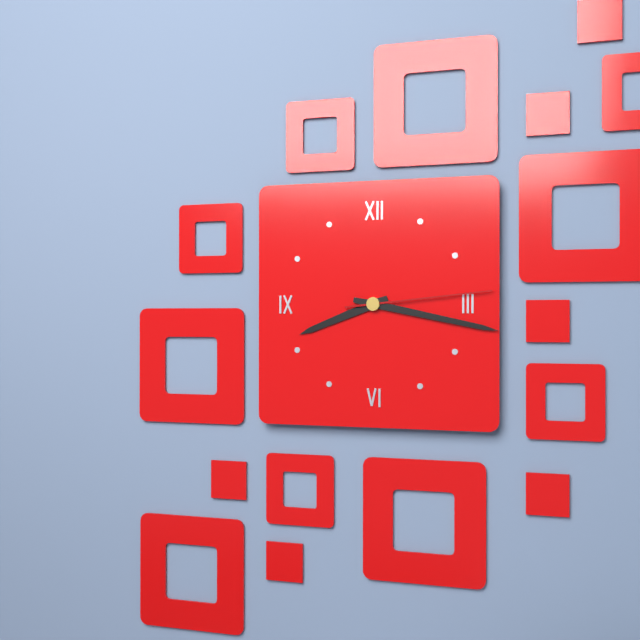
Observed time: 8h17m14s
